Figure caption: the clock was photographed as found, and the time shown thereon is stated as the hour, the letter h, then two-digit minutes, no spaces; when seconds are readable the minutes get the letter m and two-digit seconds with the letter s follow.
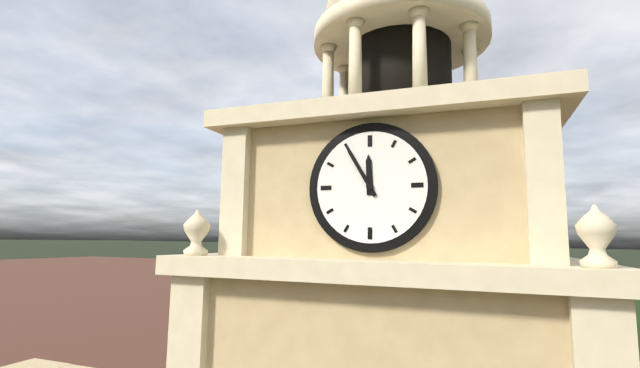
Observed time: 11h55
